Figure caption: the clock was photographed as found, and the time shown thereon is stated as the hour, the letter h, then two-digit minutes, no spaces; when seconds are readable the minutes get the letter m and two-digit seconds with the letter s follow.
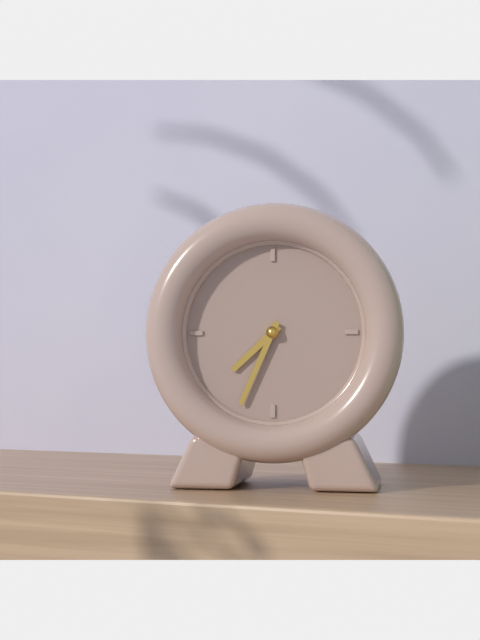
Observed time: 7h34
